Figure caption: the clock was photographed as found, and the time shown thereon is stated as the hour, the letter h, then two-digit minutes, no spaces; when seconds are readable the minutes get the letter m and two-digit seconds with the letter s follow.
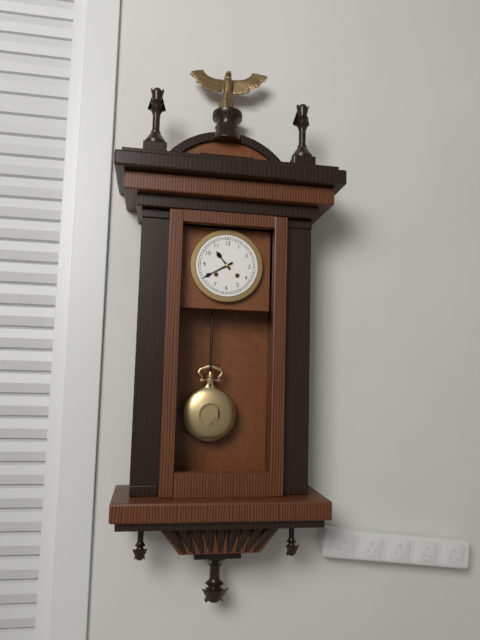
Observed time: 10h40
